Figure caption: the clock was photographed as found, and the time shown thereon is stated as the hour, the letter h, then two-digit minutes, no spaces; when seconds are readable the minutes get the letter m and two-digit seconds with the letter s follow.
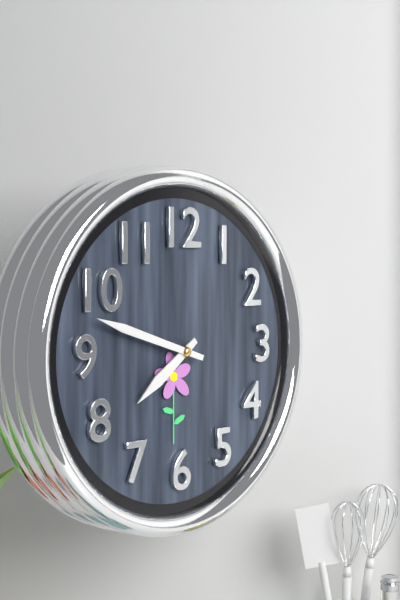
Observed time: 7h48
